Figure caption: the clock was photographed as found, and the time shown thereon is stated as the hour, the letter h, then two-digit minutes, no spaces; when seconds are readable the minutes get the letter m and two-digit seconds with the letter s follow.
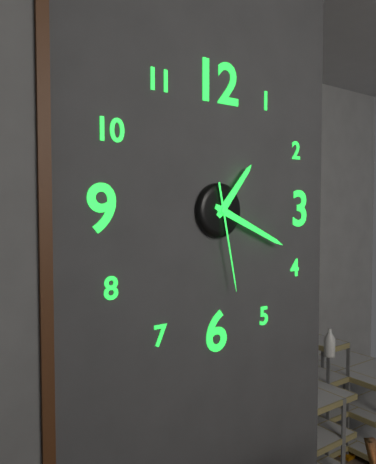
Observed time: 1h19m28s
